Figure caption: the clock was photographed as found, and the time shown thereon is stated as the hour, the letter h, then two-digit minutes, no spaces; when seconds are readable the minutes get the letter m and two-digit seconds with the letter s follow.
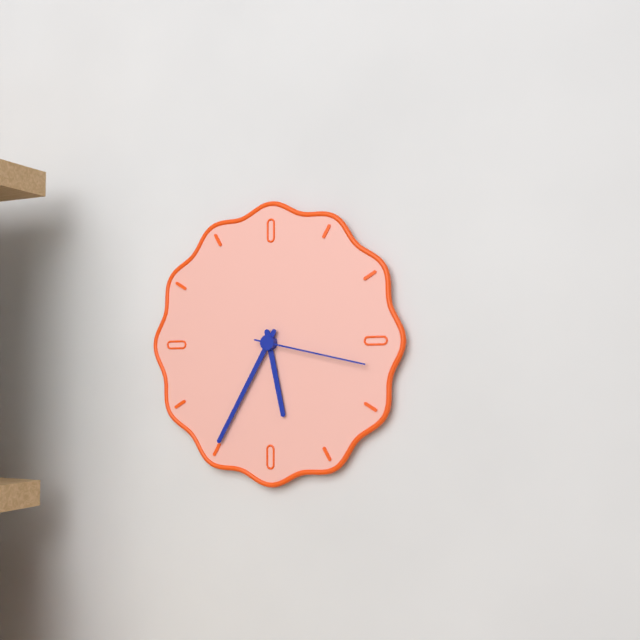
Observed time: 5h35m17s
